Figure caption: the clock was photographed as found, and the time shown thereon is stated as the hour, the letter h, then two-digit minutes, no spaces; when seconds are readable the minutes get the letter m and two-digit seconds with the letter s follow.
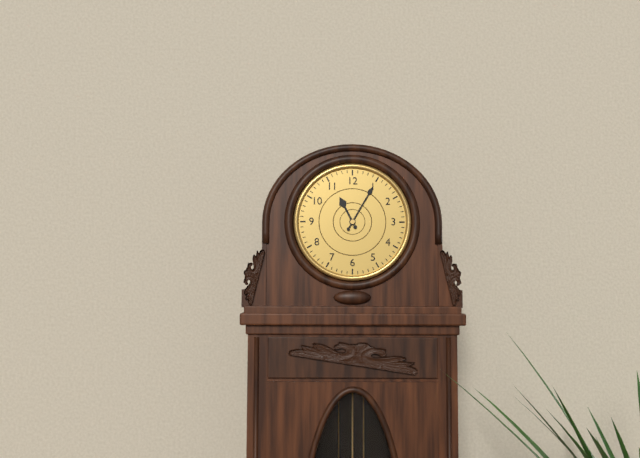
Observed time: 11h05
